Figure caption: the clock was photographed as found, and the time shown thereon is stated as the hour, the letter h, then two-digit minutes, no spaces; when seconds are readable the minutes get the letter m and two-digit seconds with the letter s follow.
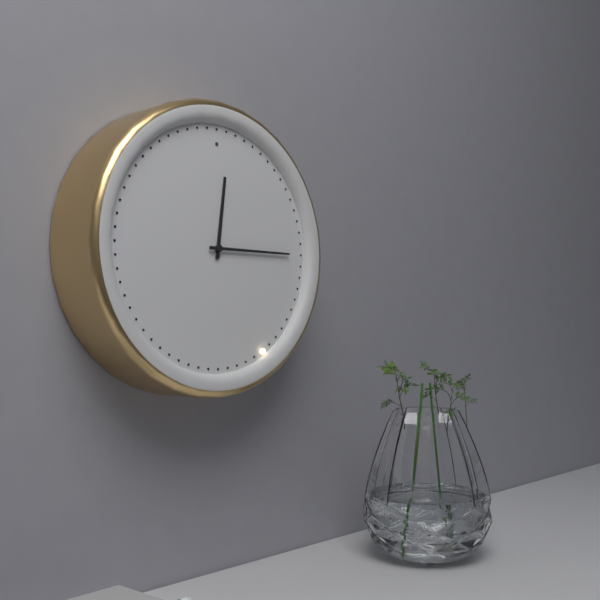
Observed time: 12h15
